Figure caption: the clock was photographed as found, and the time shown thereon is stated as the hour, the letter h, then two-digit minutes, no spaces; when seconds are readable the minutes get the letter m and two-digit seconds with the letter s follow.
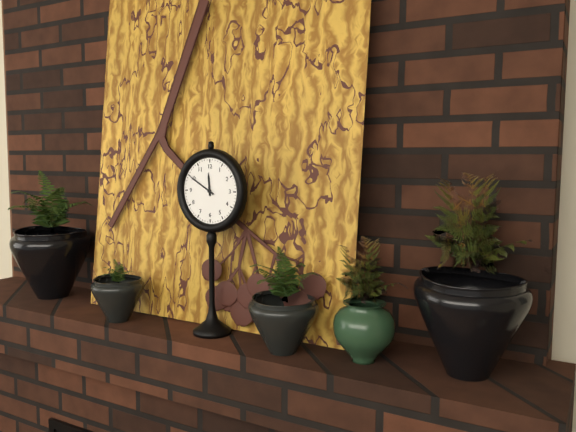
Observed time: 11h50
